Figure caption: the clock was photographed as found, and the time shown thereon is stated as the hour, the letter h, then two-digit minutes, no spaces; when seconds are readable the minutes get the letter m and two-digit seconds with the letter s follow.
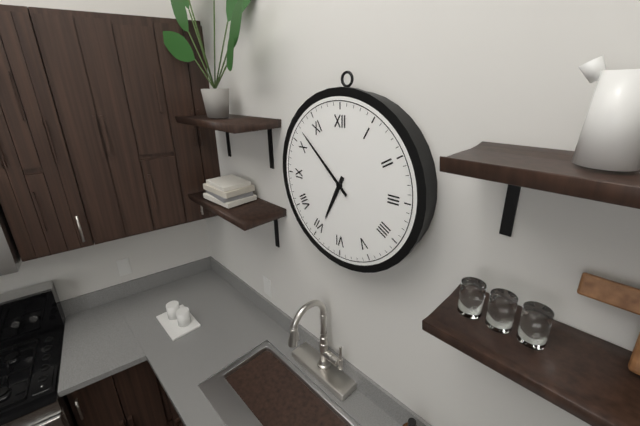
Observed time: 6h52
